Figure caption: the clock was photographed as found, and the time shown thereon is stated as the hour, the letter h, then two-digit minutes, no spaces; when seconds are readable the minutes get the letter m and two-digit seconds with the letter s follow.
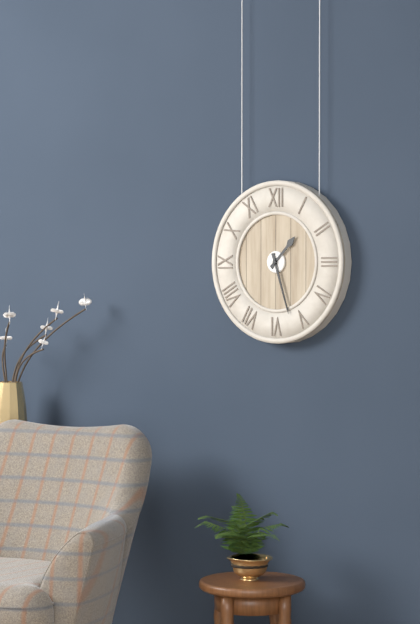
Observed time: 1h27
